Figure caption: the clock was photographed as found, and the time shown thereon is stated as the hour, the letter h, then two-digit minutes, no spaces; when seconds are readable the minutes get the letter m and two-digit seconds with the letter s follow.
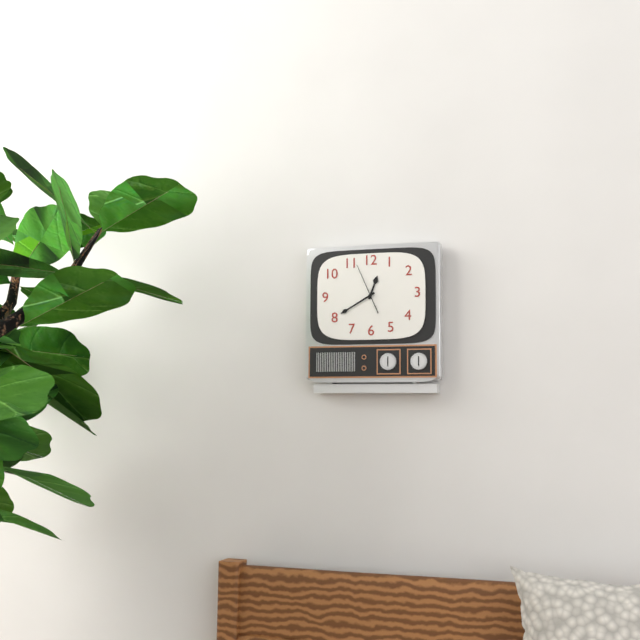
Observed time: 12h40
